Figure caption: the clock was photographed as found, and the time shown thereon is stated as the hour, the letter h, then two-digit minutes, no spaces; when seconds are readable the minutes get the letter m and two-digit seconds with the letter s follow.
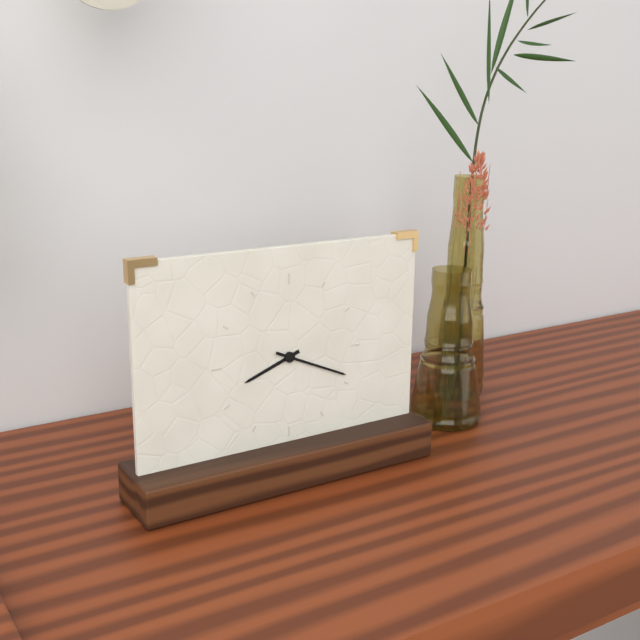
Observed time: 8h19
